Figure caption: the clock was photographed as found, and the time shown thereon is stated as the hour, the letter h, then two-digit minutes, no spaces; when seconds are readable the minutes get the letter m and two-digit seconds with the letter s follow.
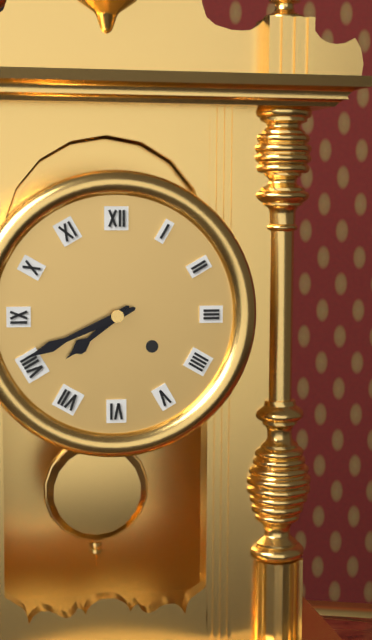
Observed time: 7h41
